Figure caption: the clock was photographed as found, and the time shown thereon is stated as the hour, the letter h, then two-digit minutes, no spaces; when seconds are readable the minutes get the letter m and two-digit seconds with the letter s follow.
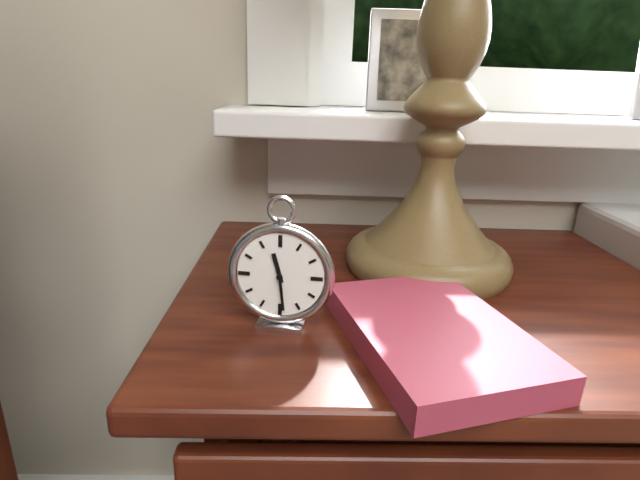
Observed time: 11h29
